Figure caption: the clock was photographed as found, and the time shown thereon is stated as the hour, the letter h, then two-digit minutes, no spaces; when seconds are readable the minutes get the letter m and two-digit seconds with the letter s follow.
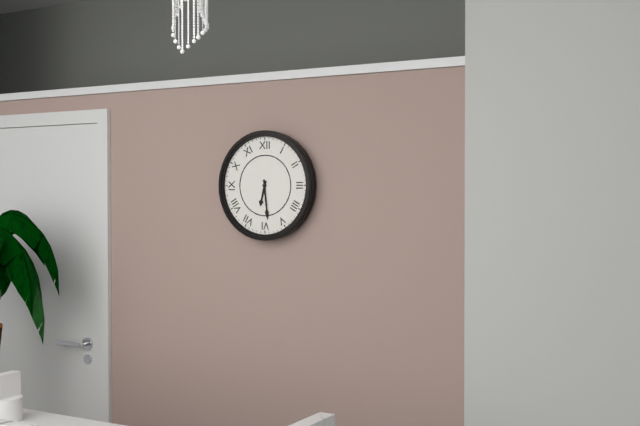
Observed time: 6h29
